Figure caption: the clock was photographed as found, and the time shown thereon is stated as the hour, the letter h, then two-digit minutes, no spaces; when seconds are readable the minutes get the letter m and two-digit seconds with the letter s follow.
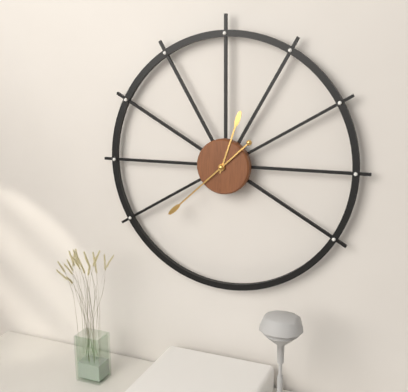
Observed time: 12h38
